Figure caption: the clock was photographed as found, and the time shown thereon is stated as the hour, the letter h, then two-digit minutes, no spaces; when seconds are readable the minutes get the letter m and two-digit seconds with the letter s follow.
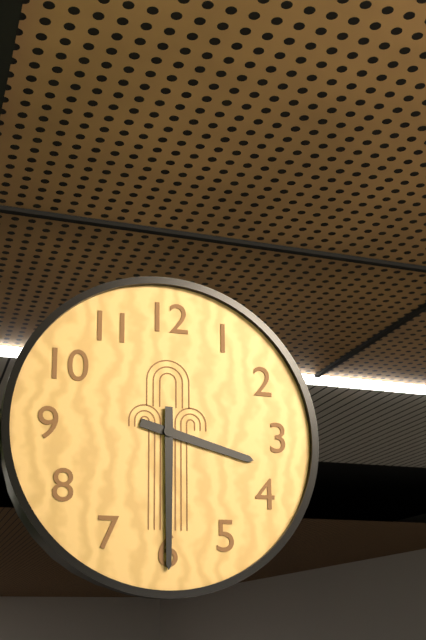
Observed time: 3h30
